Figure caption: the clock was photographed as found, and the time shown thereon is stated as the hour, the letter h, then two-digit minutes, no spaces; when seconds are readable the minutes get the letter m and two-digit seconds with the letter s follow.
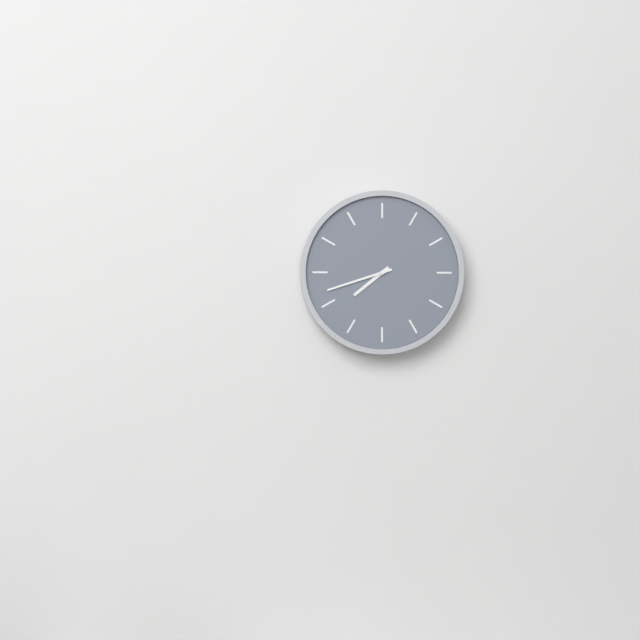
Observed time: 7h42
